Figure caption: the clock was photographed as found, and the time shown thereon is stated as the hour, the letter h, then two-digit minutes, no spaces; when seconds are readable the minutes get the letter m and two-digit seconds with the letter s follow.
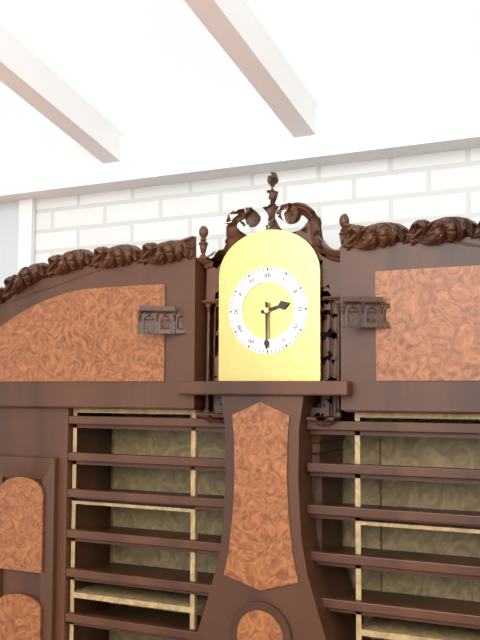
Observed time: 2h30
